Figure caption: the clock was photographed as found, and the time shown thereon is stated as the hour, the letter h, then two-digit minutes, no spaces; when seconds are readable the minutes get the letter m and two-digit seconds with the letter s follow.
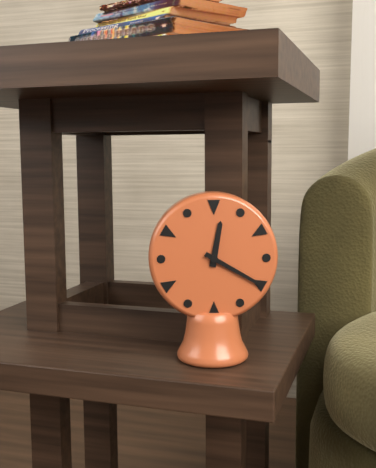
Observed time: 12h20
